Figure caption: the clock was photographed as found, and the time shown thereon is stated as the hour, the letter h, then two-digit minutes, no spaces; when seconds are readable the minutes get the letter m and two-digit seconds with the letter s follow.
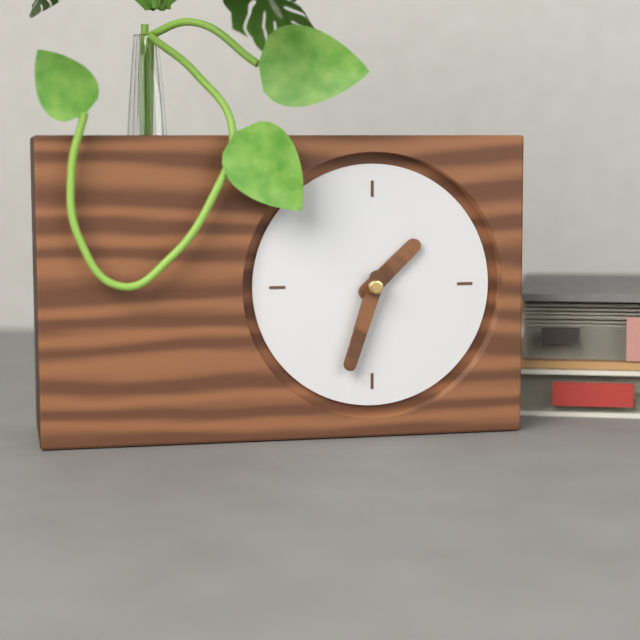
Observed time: 1h33
